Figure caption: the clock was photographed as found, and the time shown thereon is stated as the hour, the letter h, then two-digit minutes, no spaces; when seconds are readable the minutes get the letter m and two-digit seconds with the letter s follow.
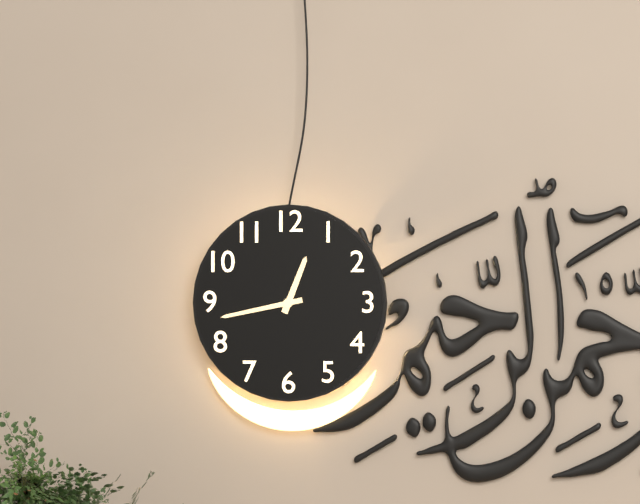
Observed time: 12h43
